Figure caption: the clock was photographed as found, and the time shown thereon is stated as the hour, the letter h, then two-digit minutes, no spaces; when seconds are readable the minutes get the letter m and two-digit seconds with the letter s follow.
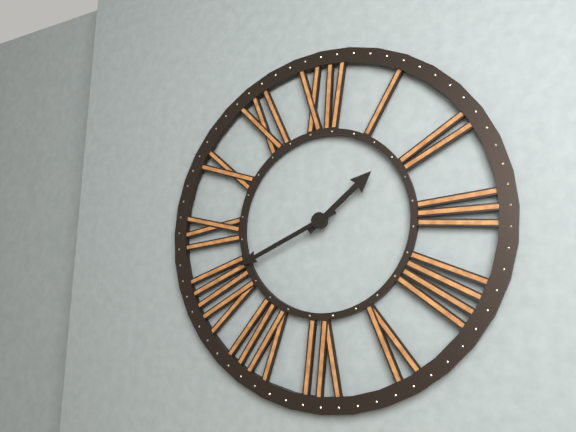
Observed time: 1h41
